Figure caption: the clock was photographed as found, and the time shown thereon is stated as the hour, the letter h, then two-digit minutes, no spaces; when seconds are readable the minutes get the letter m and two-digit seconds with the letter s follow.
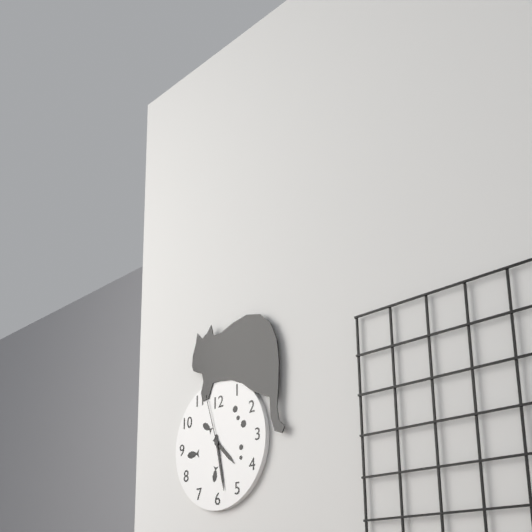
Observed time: 4h28m57s
